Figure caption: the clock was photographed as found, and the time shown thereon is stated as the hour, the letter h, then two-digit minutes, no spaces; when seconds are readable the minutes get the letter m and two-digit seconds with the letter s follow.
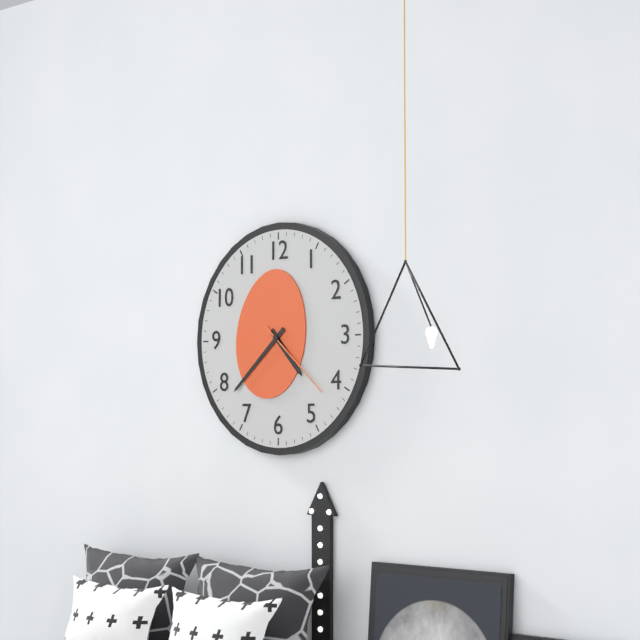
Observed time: 4h38m22s
